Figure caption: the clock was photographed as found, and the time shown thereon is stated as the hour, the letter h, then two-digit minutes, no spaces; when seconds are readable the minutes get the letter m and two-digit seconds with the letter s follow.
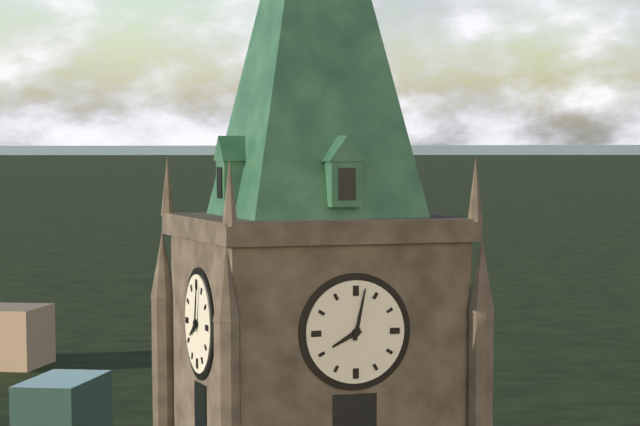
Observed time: 8h02
